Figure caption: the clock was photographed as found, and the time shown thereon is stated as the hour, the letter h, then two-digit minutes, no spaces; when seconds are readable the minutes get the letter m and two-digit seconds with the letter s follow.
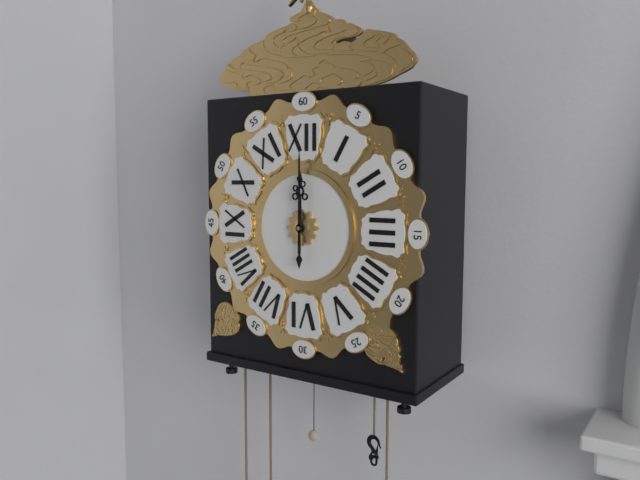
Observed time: 12h00
